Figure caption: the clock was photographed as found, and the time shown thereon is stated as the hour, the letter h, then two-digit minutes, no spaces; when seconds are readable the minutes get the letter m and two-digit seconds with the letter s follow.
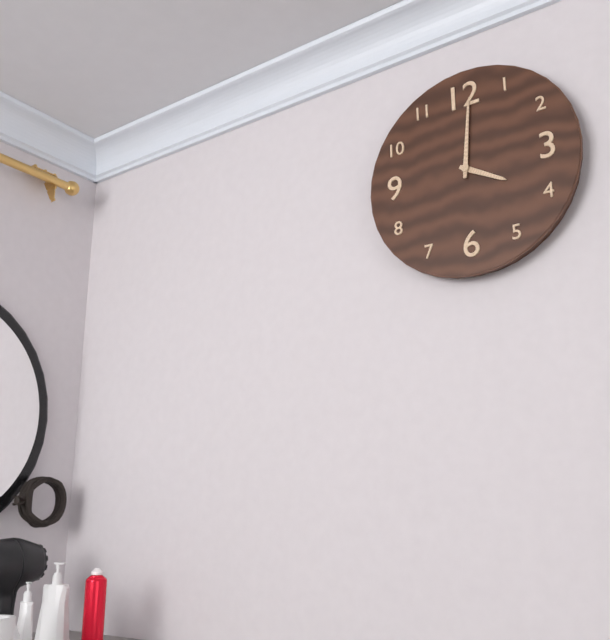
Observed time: 4h01
